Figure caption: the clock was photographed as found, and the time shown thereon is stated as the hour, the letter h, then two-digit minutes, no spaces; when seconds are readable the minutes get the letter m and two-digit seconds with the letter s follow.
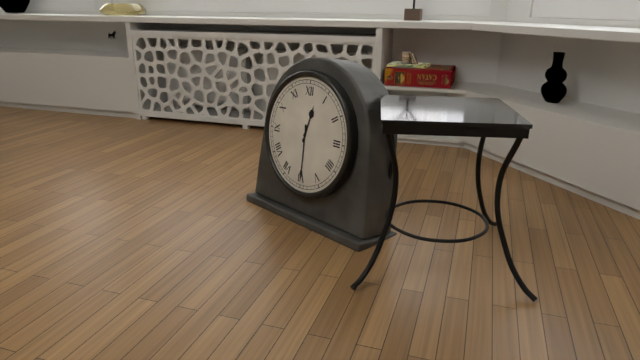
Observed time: 12h30
